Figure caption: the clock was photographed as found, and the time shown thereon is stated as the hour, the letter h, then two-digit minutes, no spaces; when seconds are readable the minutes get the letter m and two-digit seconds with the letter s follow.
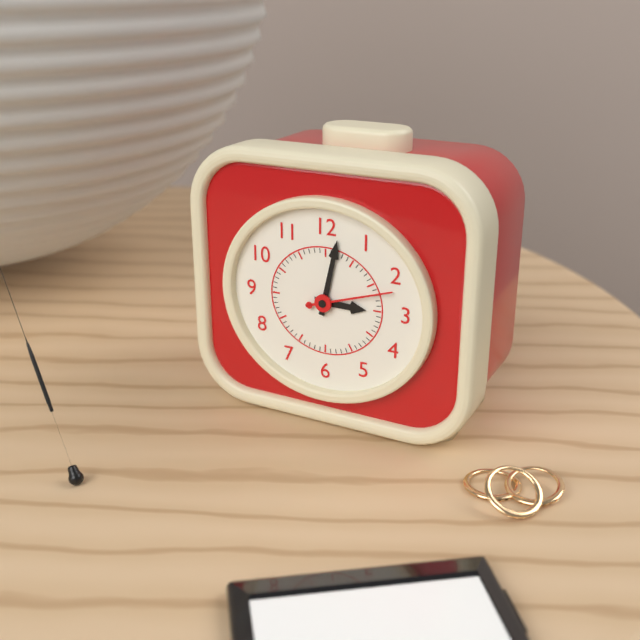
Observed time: 3h02m12s
